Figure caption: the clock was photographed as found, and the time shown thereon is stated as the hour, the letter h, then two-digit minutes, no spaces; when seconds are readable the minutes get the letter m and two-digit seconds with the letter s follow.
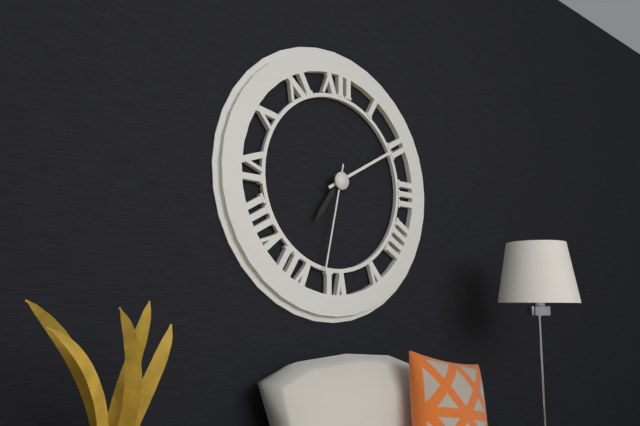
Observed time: 7h10m32s
